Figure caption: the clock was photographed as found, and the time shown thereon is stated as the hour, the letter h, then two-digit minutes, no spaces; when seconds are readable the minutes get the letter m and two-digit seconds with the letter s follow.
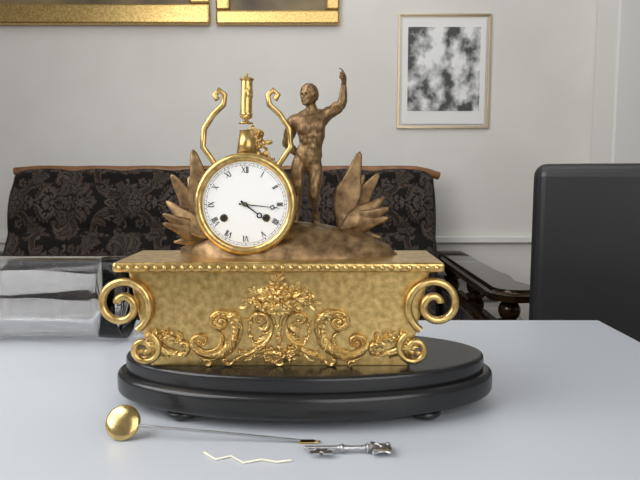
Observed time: 4h16
